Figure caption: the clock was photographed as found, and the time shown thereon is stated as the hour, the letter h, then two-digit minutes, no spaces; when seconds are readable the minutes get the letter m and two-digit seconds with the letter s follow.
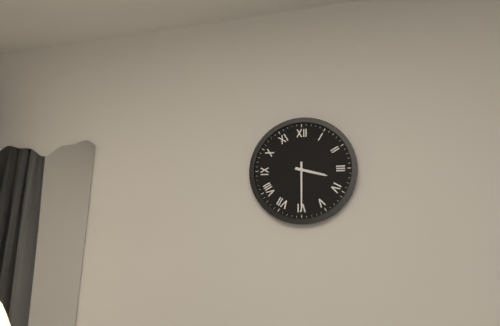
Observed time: 3h30
